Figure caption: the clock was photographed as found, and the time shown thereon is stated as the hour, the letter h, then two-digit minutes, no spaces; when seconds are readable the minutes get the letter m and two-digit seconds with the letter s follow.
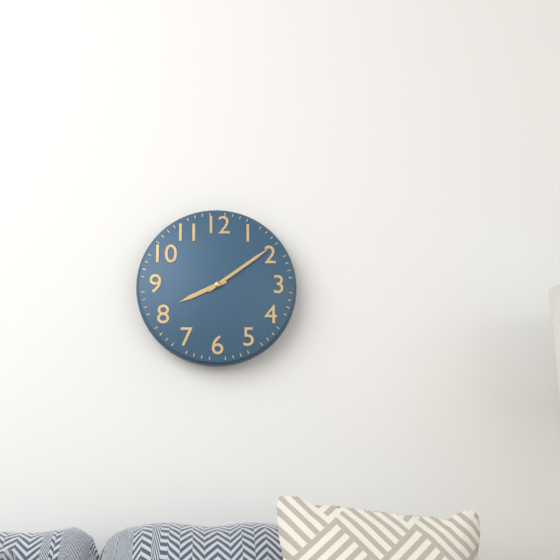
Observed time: 8h09
